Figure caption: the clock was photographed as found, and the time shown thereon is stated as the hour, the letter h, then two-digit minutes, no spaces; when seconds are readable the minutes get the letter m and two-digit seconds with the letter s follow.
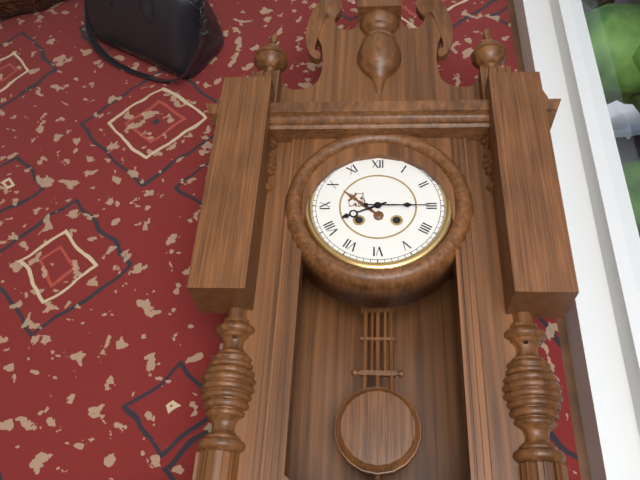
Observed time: 8h15
